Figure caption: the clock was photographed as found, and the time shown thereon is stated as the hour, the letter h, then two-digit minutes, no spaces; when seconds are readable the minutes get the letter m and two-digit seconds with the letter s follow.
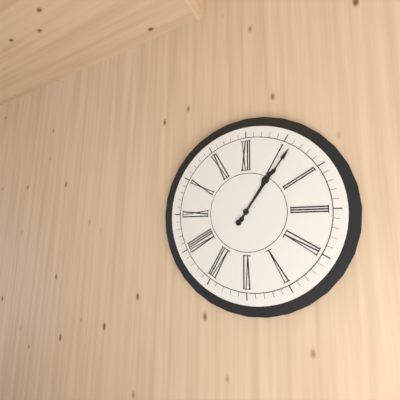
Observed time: 1h06
